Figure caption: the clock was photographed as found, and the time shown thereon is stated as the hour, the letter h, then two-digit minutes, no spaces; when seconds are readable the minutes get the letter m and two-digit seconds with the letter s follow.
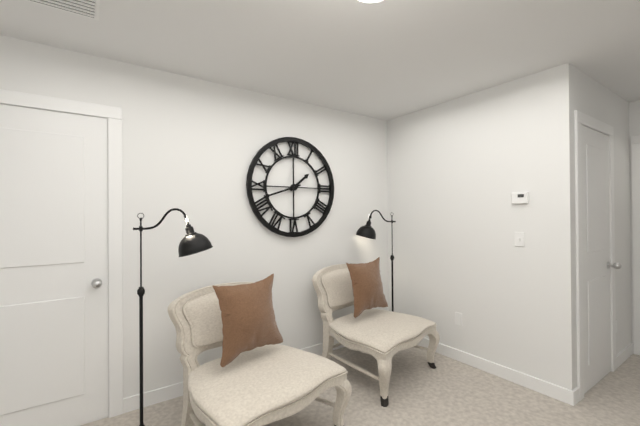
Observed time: 1h42
